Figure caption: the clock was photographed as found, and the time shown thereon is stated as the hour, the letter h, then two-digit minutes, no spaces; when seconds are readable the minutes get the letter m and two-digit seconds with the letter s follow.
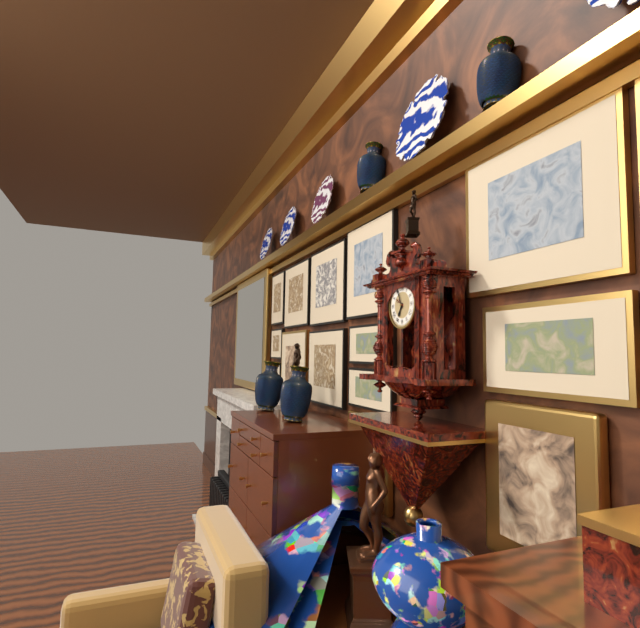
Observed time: 6h56
